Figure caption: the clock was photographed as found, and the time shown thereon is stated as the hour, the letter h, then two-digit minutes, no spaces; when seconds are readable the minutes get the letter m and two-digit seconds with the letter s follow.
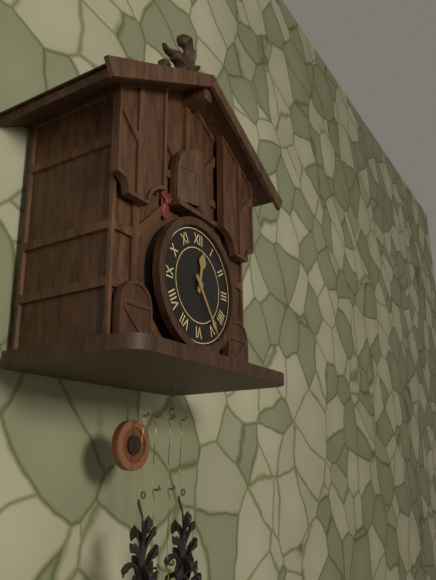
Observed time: 12h24
